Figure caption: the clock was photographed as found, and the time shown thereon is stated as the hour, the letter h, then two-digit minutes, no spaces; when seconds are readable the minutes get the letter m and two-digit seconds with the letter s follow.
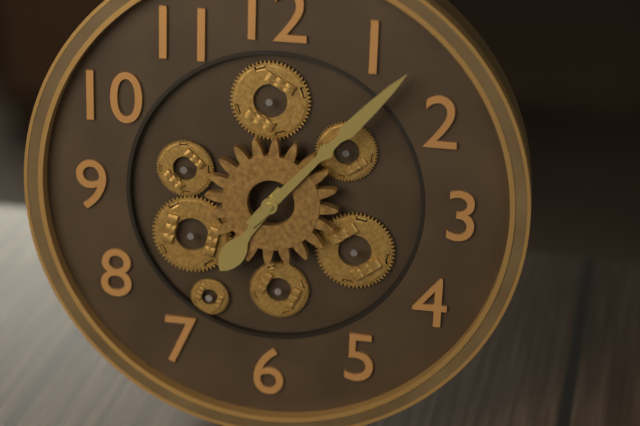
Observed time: 7h07
